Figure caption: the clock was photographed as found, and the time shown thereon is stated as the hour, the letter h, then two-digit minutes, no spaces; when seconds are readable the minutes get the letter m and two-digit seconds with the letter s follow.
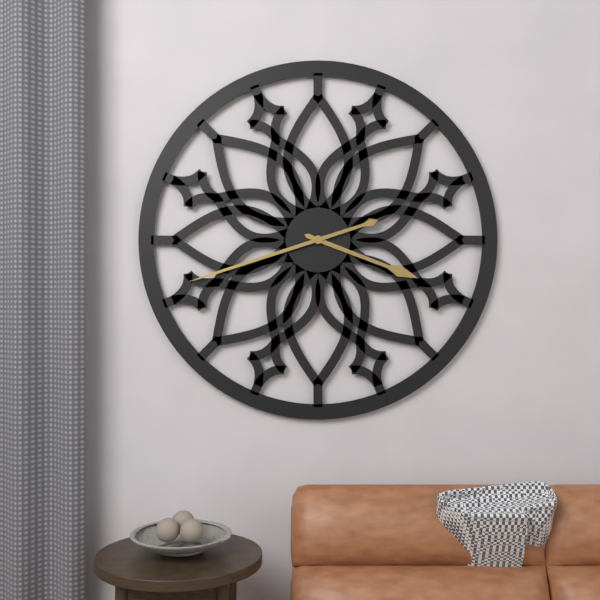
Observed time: 3h42
